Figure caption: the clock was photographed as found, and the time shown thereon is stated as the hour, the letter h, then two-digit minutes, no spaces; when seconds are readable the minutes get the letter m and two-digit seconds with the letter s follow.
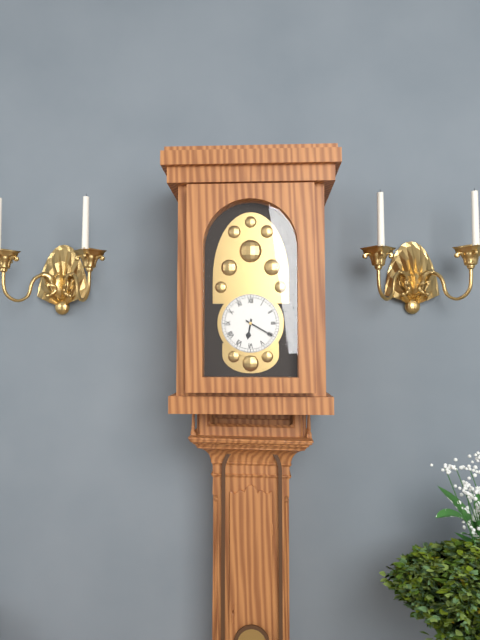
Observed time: 6h20
